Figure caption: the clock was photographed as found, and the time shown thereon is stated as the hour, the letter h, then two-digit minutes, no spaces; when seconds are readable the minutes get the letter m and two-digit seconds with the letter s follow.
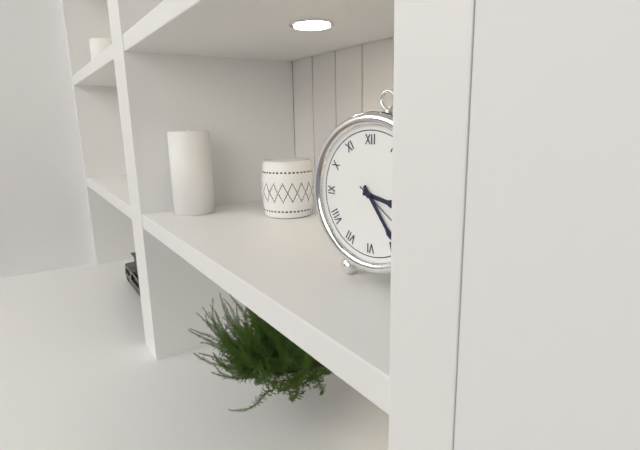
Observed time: 3h24
